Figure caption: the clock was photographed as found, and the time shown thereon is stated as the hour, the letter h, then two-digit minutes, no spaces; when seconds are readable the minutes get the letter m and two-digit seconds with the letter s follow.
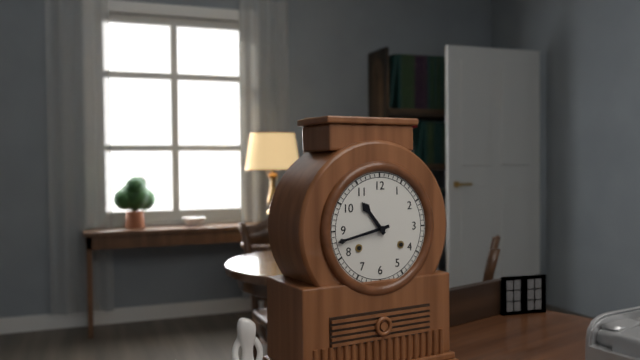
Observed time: 10h43
